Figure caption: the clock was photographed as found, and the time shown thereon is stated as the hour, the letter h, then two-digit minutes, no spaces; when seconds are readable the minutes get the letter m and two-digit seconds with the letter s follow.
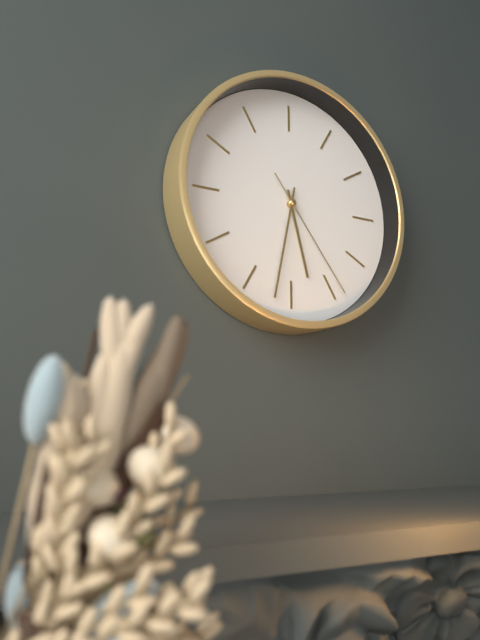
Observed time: 5h32m24s
